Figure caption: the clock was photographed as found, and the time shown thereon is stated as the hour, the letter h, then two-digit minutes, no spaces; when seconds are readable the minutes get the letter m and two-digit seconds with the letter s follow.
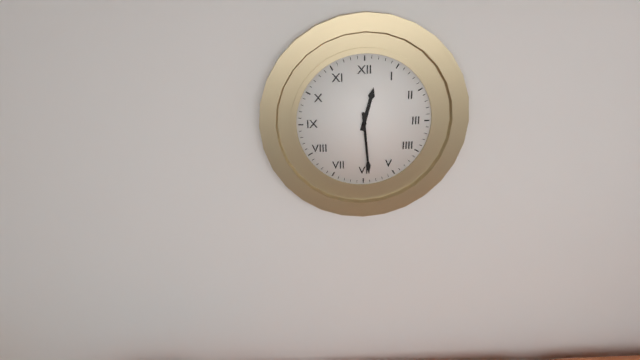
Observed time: 12h29
